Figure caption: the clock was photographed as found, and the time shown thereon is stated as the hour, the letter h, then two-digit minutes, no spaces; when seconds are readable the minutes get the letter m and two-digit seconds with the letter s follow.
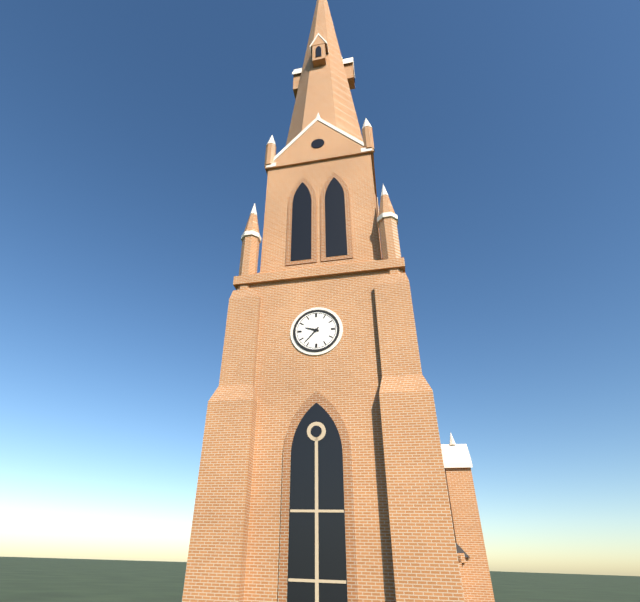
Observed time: 9h37
